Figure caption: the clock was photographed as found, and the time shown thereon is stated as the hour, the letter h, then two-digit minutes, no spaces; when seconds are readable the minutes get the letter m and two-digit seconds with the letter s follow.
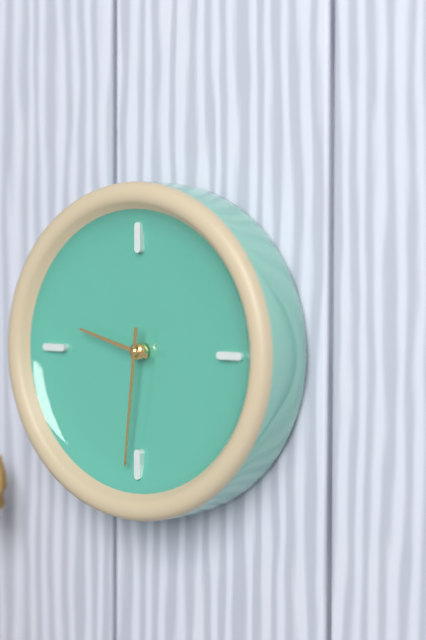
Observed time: 9h31
